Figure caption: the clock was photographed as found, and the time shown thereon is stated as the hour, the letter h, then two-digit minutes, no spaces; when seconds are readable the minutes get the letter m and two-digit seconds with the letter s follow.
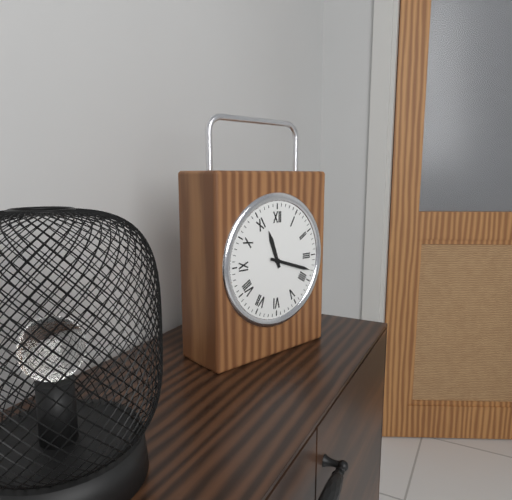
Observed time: 11h18
